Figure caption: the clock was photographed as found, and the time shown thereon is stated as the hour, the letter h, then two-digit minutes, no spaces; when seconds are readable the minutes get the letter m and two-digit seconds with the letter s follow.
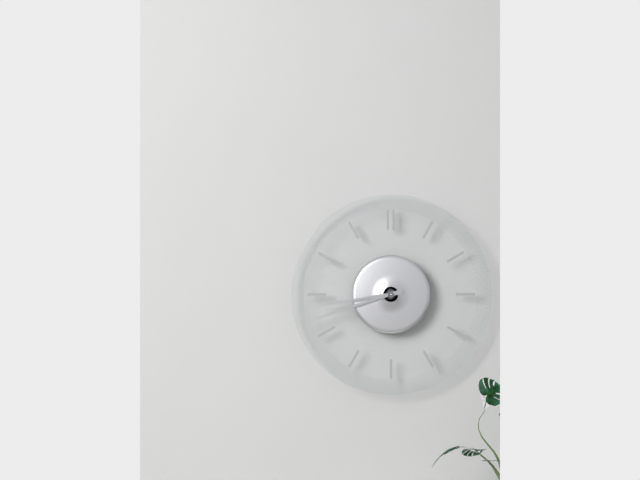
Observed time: 8h42
